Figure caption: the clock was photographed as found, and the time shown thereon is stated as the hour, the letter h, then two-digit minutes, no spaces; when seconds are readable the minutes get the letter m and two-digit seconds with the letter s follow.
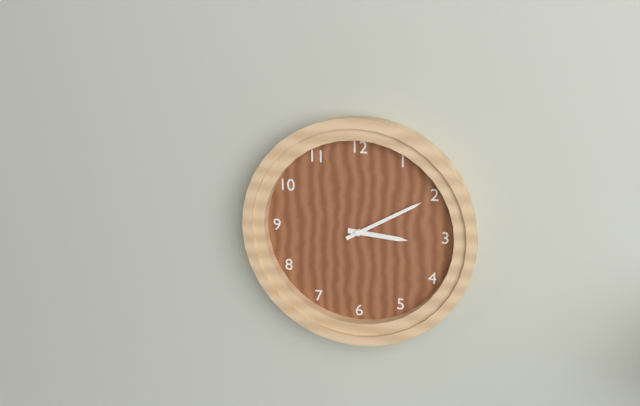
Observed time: 3h10
